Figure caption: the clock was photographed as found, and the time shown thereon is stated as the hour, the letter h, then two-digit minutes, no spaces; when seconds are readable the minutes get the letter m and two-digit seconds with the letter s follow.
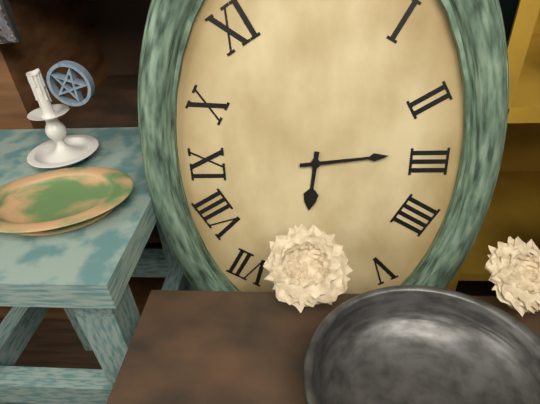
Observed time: 6h14
